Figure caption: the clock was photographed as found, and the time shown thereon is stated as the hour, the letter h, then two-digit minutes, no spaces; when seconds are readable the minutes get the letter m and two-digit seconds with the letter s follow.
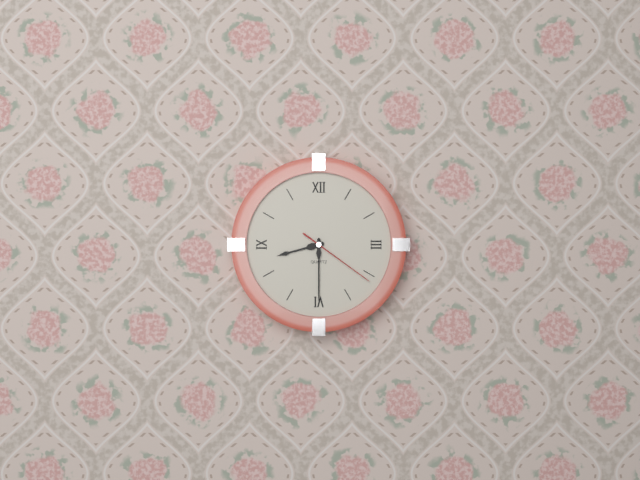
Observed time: 8h30m21s
